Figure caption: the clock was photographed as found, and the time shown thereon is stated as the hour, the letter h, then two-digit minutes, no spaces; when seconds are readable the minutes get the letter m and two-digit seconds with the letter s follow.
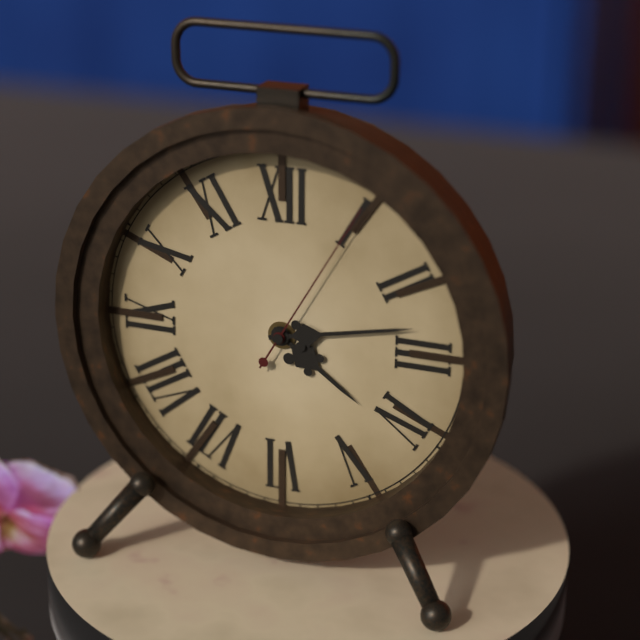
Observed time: 4h13m05s
